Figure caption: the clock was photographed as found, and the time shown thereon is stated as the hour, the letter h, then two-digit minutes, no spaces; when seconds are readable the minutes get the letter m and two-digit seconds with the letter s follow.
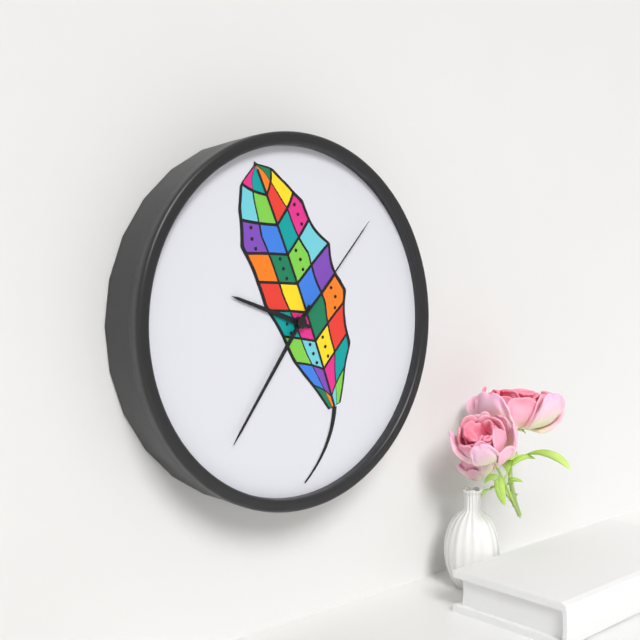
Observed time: 9h36m07s
